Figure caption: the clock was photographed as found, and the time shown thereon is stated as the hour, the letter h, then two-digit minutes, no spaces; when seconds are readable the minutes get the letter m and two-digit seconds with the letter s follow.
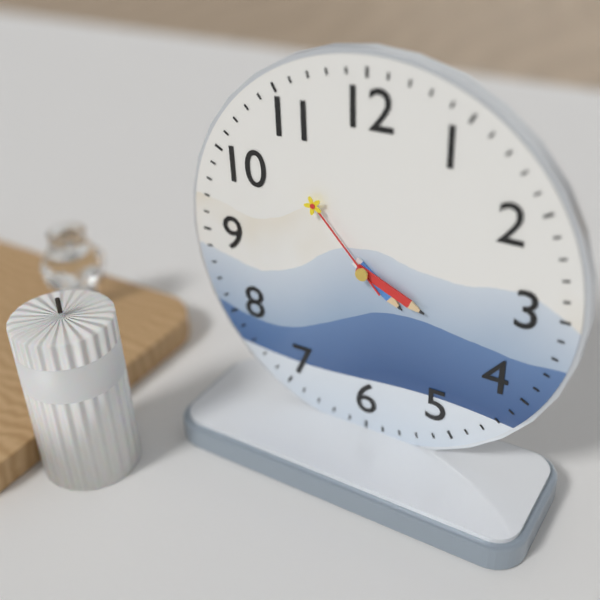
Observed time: 4h19m53s
